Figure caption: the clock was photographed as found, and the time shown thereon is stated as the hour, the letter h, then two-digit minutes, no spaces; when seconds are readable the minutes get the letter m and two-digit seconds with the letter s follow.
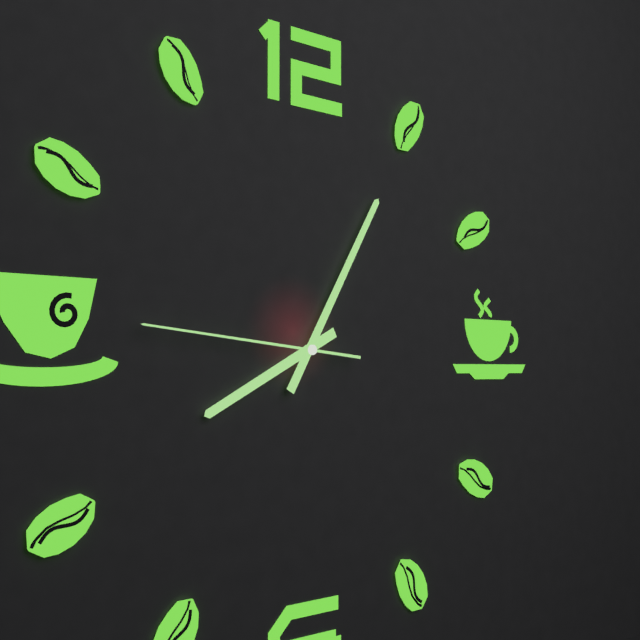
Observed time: 8h05m46s
